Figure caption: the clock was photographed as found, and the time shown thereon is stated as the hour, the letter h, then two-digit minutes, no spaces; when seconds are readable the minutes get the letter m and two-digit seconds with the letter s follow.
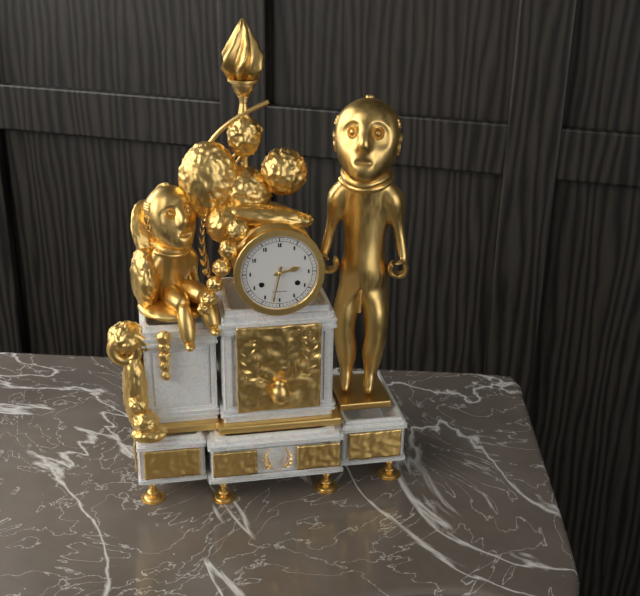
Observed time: 2h32
